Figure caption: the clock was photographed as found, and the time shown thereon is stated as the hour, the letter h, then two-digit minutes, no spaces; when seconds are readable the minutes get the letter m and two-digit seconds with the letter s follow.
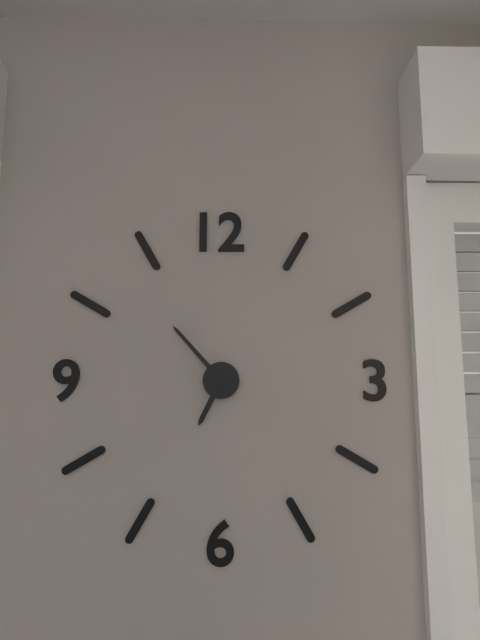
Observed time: 6h53
